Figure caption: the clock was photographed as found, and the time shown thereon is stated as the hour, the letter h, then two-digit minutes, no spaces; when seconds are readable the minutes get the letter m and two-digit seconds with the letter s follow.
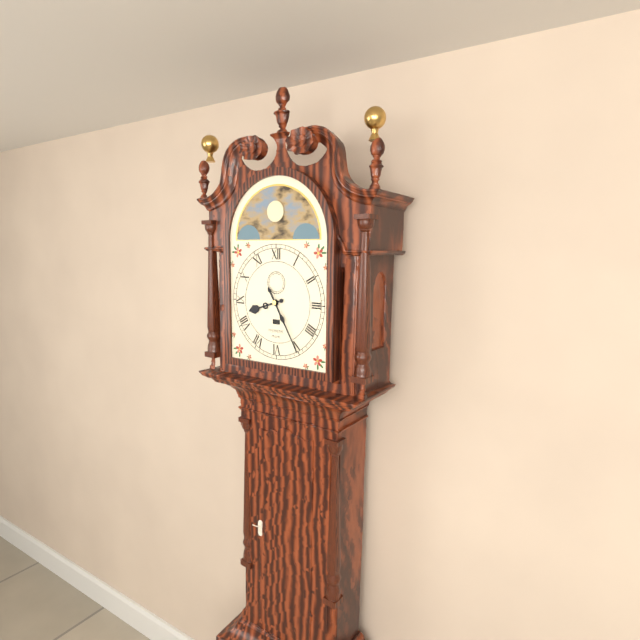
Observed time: 8h25
